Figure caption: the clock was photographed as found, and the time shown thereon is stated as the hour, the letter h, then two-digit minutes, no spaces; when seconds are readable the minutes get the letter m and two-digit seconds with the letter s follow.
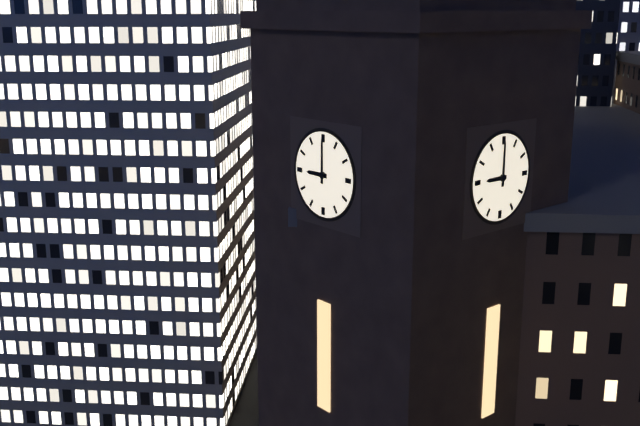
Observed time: 9h00
